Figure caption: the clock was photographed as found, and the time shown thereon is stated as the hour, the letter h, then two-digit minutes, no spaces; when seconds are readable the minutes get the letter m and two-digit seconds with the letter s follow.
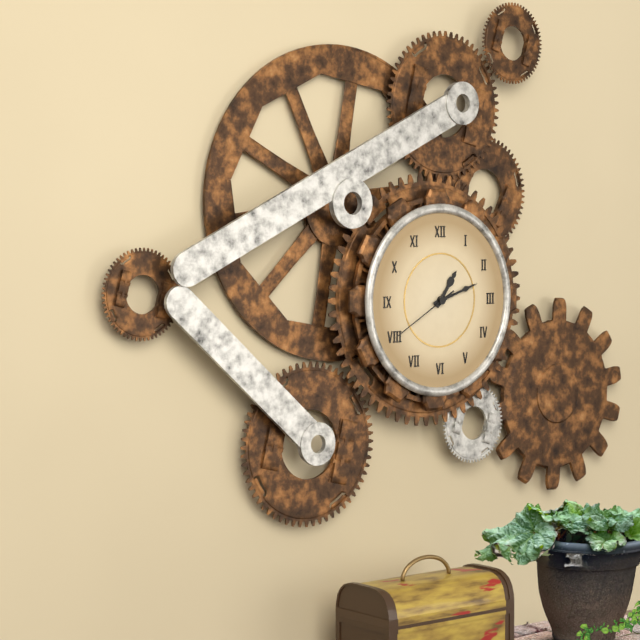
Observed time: 1h12m40s
